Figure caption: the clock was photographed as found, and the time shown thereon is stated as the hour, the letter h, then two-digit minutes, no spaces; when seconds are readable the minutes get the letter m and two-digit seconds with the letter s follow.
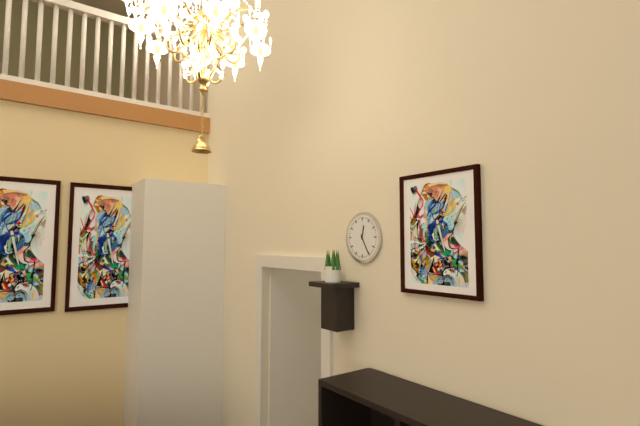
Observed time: 12h25
